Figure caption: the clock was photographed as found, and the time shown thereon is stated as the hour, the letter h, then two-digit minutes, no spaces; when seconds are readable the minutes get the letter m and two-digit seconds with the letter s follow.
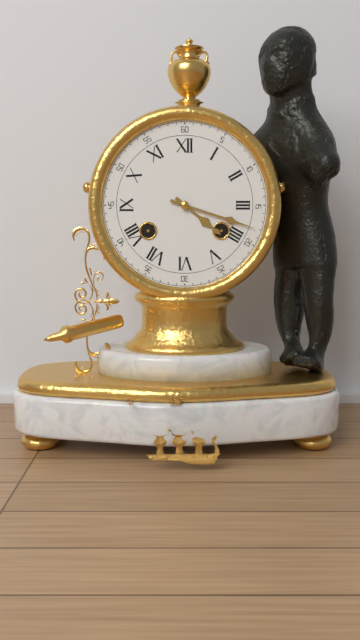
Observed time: 4h18
